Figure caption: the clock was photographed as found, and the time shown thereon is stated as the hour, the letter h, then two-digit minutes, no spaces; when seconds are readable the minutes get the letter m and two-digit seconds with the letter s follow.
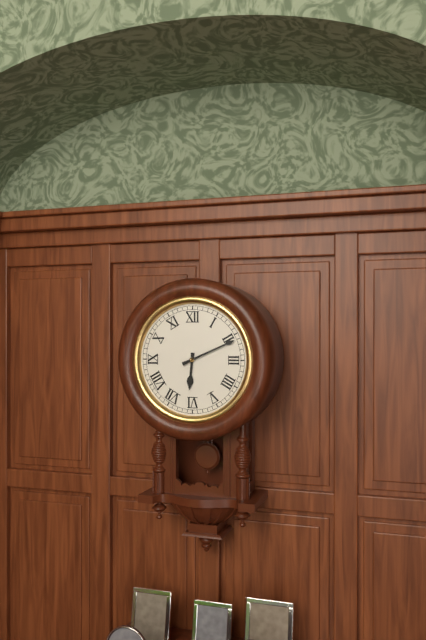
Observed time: 6h11
